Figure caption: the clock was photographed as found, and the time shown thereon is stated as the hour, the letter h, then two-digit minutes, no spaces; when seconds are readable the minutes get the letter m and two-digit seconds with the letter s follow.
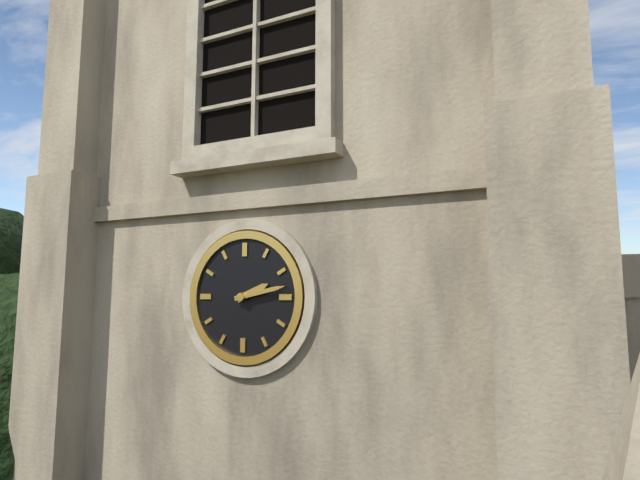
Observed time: 2h13
